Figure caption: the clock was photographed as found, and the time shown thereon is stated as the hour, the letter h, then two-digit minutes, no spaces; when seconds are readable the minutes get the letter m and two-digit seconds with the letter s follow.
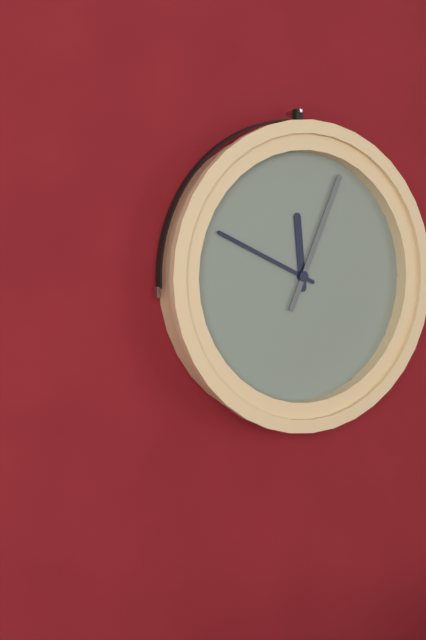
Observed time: 11h49m04s
